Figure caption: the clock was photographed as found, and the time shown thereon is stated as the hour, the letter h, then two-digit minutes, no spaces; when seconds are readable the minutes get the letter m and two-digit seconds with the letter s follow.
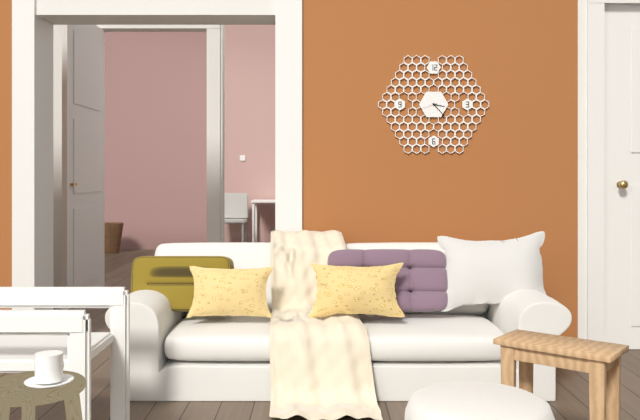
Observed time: 3h23
